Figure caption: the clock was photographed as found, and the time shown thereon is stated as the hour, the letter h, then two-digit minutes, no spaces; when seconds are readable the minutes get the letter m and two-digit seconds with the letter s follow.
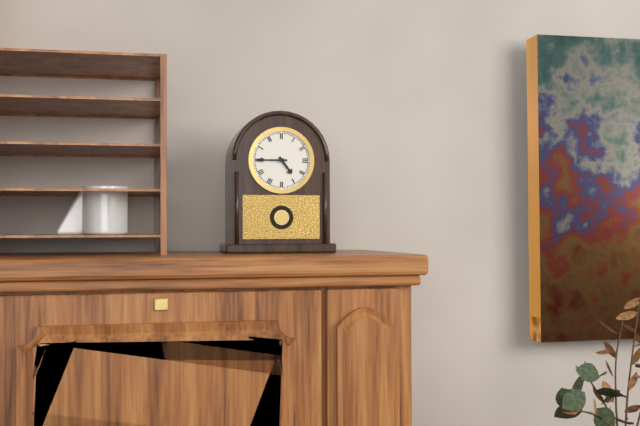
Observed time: 4h45
